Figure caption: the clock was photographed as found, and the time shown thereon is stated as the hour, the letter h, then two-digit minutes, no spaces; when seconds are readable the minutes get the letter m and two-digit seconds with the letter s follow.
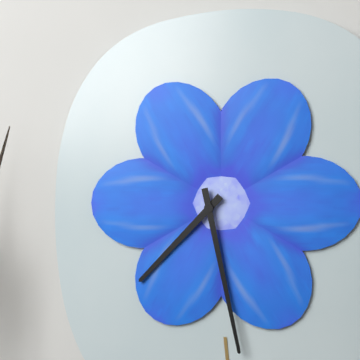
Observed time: 7h28
